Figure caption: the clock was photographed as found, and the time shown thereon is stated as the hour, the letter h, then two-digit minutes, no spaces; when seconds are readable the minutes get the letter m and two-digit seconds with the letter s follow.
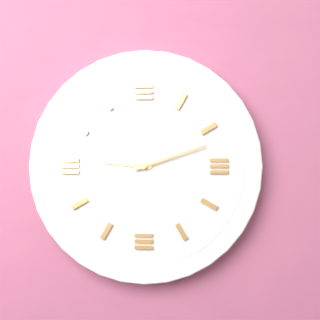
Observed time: 9h12
